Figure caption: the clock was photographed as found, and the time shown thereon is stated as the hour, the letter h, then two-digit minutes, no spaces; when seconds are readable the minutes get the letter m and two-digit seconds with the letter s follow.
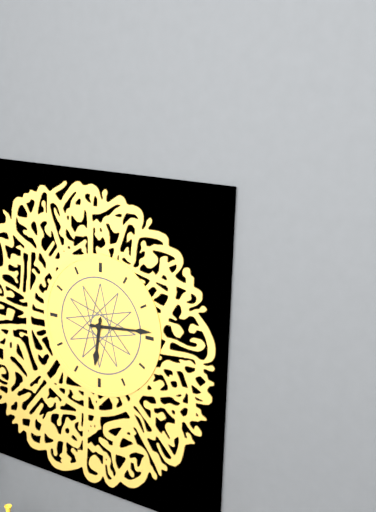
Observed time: 6h14
